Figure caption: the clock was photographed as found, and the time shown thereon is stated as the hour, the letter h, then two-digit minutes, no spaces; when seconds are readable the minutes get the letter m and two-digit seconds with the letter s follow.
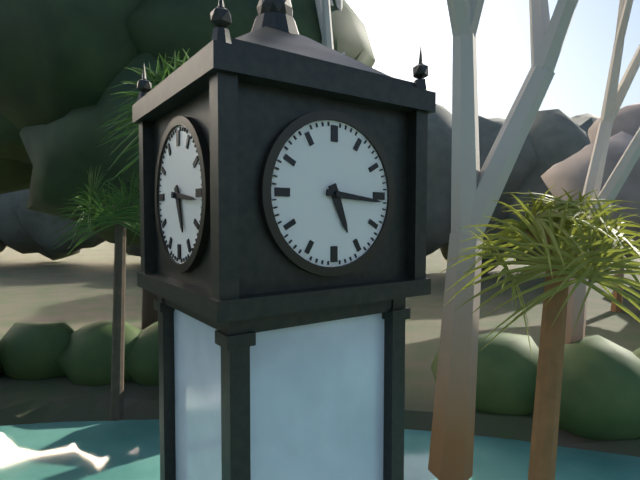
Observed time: 5h16
